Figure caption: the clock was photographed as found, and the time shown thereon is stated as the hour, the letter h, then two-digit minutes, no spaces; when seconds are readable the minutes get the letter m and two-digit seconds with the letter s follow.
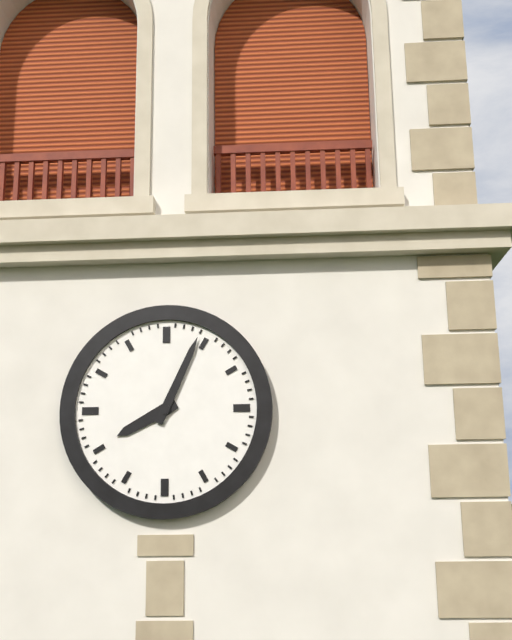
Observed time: 8h04
